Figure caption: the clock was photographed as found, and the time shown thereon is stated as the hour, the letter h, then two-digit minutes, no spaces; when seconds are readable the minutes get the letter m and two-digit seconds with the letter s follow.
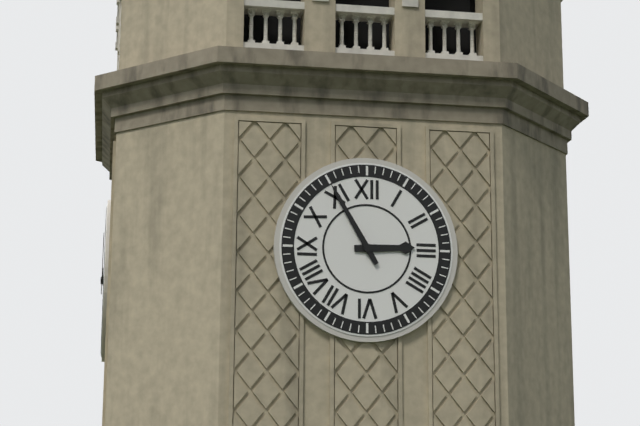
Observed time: 2h55
